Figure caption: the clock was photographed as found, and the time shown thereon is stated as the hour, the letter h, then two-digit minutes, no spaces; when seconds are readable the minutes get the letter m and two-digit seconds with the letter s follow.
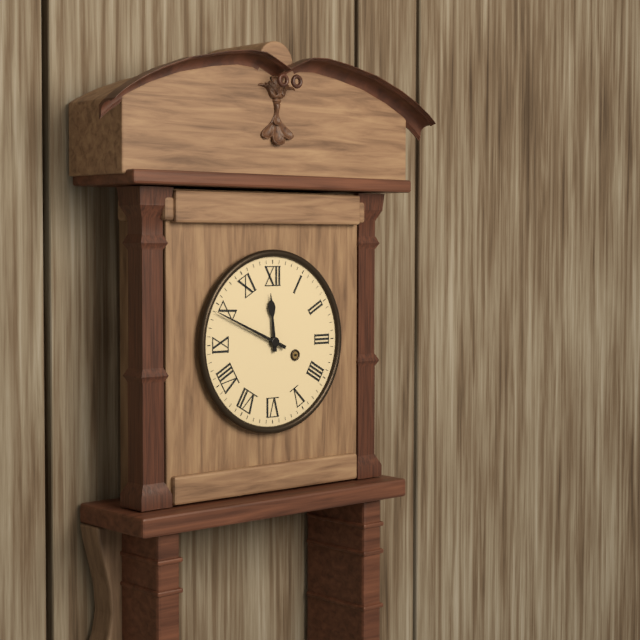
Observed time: 11h49
